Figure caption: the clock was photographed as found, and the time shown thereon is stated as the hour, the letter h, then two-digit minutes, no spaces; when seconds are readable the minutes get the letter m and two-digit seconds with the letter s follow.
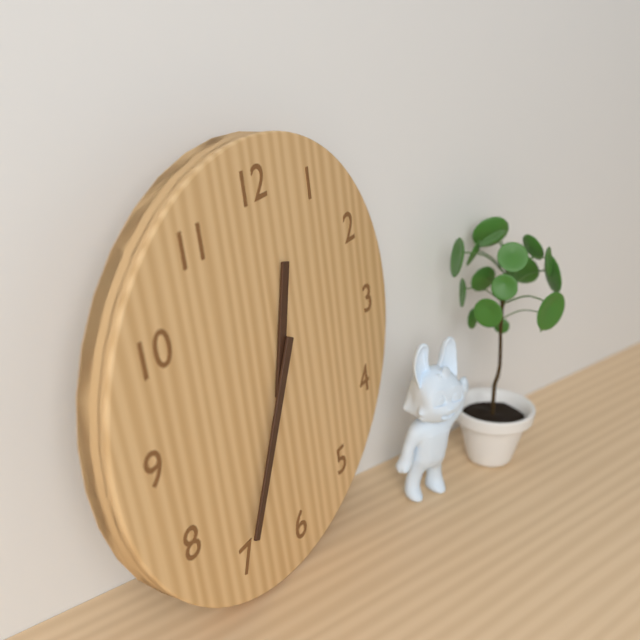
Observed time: 12h35
